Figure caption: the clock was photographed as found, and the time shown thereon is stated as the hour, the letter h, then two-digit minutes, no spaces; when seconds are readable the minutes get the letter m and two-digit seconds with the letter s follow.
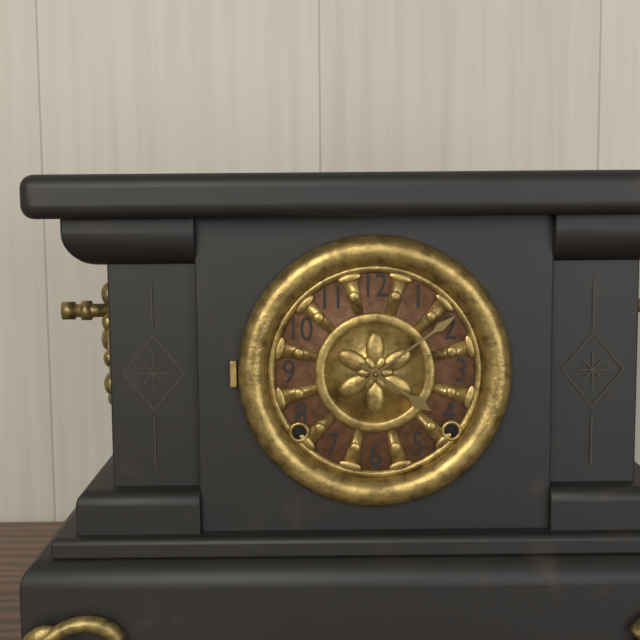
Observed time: 4h09
